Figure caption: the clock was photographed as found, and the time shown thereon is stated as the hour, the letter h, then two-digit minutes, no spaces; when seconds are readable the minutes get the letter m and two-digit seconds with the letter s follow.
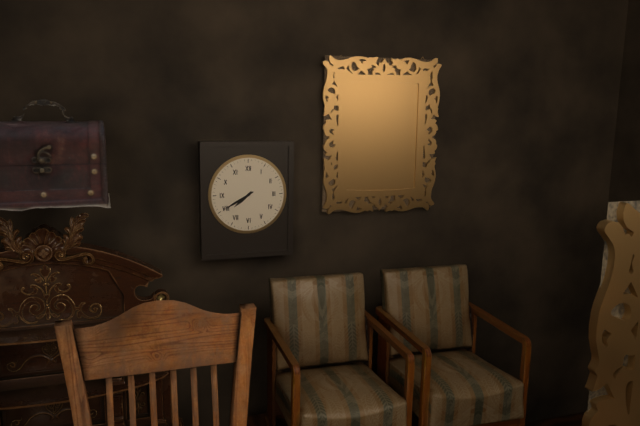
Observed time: 7h40
